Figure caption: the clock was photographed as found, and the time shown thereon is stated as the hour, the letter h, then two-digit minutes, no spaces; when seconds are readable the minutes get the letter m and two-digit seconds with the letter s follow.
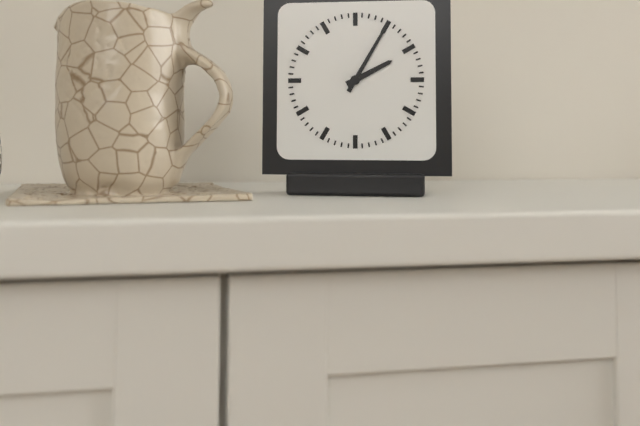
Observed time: 2h05
